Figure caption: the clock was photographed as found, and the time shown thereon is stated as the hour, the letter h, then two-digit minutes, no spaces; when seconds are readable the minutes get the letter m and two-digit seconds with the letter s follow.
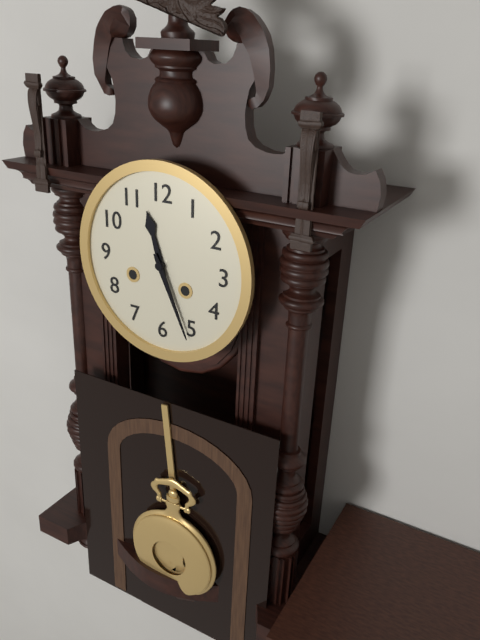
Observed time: 11h26
